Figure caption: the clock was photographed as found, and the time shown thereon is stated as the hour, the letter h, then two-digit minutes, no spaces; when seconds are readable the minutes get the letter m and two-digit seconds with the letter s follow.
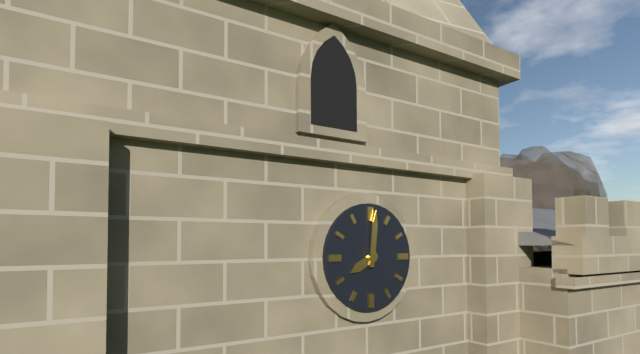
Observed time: 8h01
